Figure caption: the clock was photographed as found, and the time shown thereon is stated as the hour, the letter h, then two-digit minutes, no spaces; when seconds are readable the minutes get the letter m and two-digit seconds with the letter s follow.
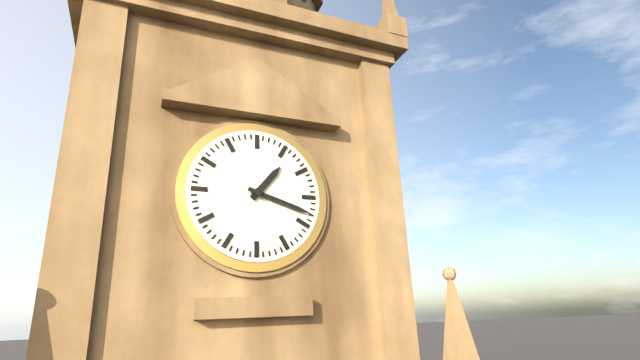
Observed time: 1h18
